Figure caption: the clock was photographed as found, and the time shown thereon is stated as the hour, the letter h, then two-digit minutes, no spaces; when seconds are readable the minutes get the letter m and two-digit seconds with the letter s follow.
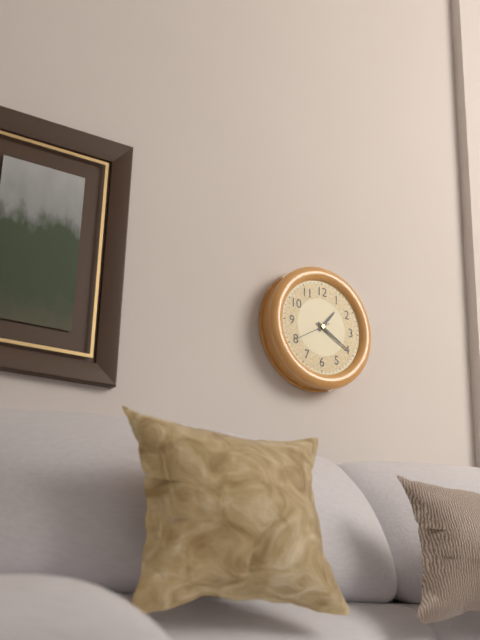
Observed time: 1h20
